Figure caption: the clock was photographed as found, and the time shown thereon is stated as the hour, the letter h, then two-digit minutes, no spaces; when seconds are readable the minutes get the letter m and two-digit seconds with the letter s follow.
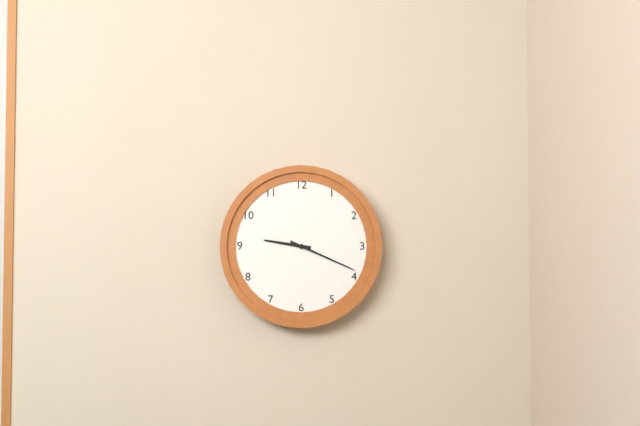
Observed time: 9h19
